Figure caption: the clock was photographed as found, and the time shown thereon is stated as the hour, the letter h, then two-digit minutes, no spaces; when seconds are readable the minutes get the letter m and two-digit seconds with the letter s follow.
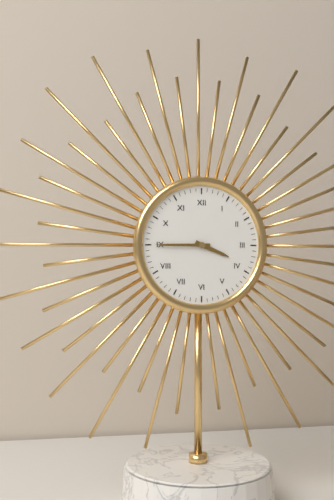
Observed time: 3h45
